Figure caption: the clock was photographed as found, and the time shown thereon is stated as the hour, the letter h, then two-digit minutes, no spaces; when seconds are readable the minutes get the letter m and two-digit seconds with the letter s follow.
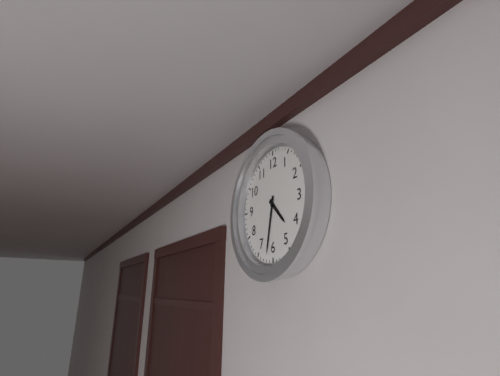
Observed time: 4h32
